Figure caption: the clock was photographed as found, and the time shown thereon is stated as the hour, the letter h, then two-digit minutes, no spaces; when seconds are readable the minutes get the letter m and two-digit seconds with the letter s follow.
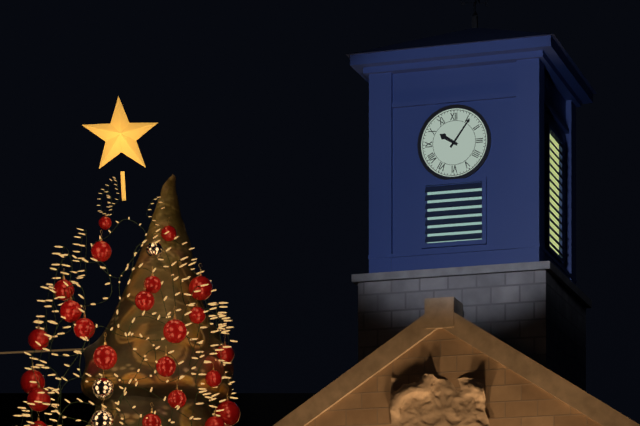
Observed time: 10h06
